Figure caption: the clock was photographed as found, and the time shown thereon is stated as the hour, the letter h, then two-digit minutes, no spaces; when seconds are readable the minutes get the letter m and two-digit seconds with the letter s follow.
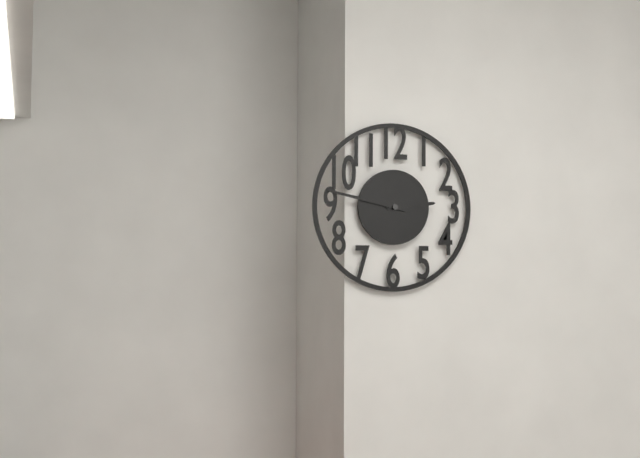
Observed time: 2h47
